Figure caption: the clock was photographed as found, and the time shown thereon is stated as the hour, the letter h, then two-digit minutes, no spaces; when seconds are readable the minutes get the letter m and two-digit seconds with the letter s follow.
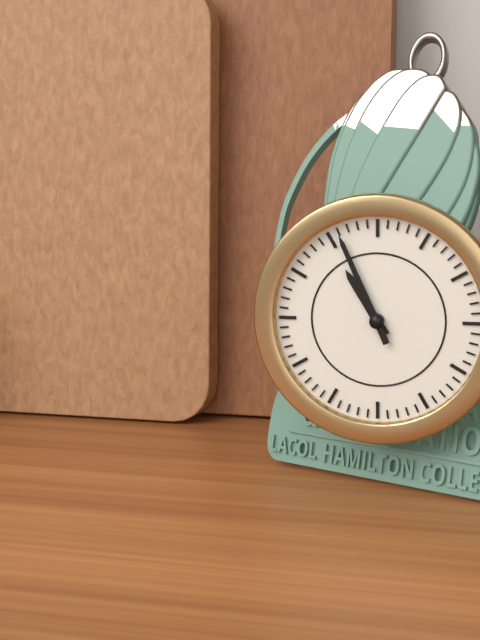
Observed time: 10h56
